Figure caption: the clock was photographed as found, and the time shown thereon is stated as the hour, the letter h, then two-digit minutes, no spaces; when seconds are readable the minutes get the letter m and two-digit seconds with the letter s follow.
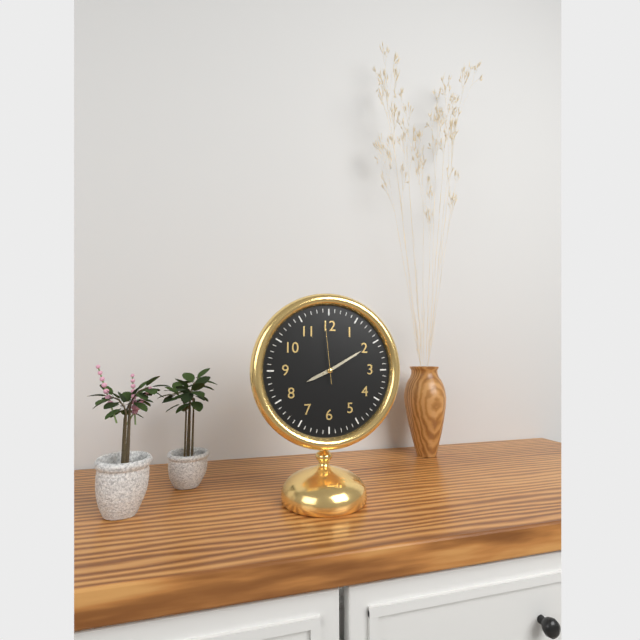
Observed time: 8h10m59s
